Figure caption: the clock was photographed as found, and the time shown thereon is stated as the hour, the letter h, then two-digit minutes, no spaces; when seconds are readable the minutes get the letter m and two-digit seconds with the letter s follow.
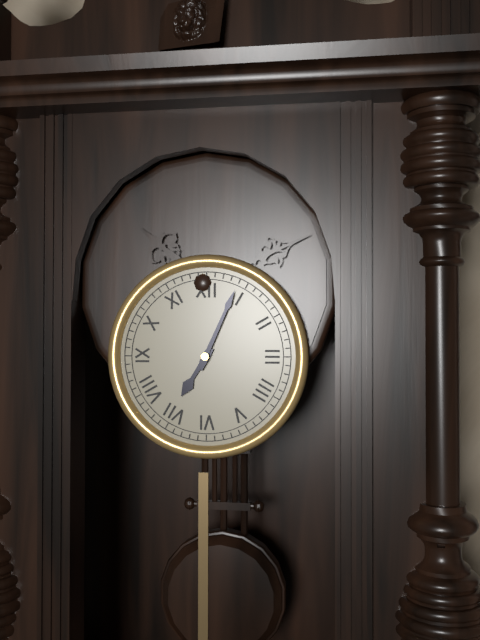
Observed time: 7h04
